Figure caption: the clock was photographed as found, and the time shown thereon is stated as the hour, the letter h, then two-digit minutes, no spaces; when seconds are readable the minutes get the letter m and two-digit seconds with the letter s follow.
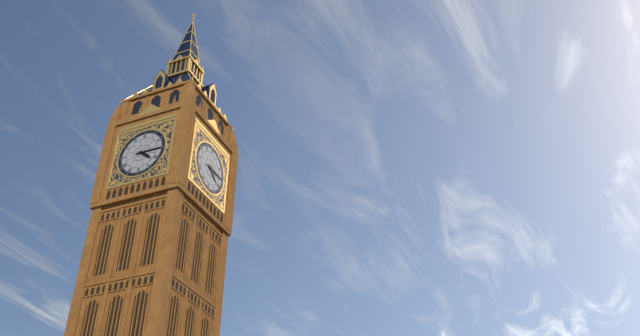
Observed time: 4h15
